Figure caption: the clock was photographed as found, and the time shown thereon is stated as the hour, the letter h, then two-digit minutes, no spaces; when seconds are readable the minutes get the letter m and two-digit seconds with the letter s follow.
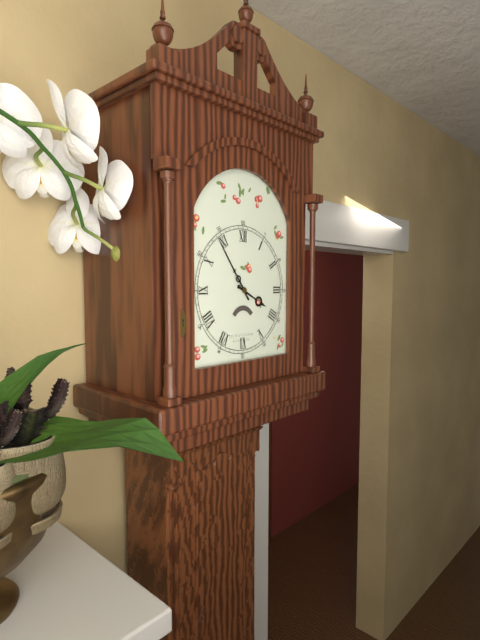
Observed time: 3h54
